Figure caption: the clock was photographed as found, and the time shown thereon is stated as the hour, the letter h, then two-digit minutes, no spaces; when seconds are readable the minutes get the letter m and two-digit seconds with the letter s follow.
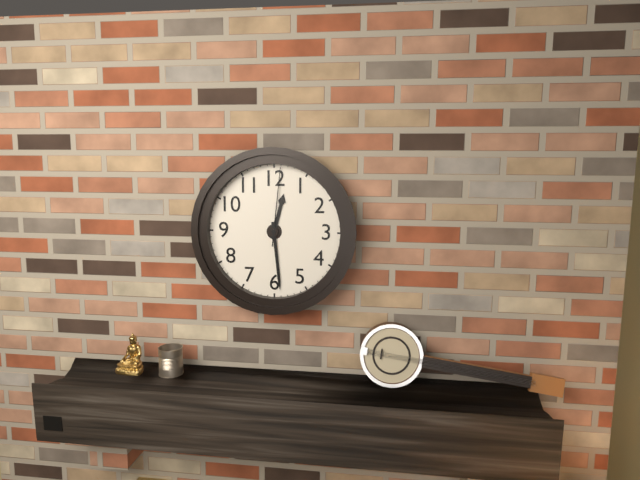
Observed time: 12h29m01s
